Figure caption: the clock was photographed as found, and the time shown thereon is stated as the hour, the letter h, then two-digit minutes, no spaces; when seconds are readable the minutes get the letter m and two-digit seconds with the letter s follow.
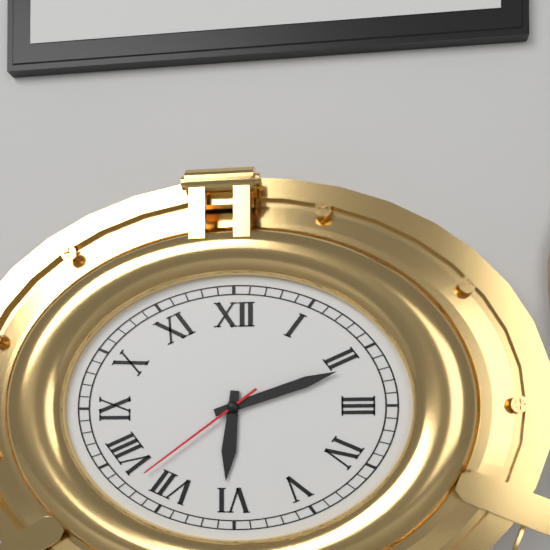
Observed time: 6h12m39s
